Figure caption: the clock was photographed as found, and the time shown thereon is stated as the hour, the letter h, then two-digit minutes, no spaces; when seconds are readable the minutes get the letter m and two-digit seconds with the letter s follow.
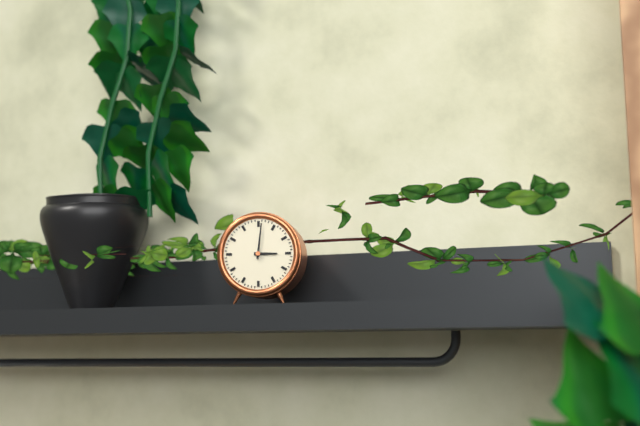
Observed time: 3h01
